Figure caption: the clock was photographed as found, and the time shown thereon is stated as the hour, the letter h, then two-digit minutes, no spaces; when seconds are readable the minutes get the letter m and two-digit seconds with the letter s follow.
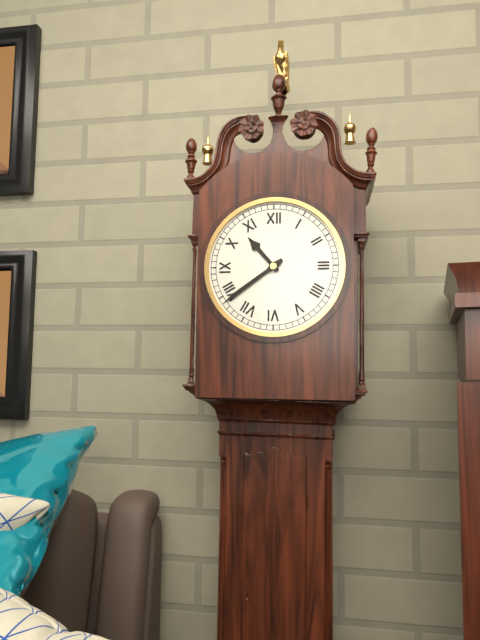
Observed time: 10h39
